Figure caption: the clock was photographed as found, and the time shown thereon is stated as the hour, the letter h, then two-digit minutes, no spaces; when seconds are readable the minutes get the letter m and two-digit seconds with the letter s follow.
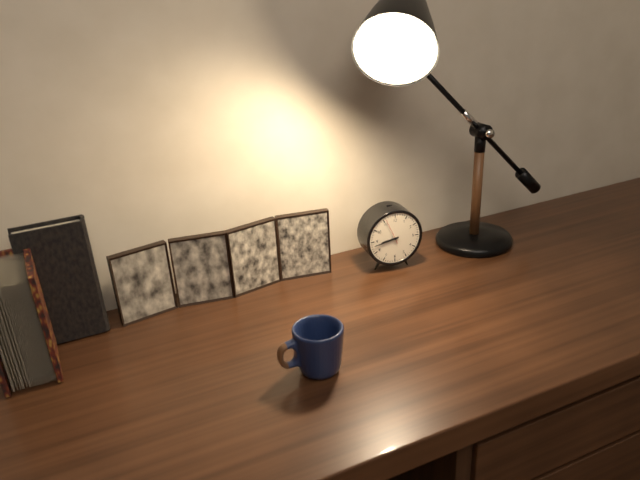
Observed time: 8h43
